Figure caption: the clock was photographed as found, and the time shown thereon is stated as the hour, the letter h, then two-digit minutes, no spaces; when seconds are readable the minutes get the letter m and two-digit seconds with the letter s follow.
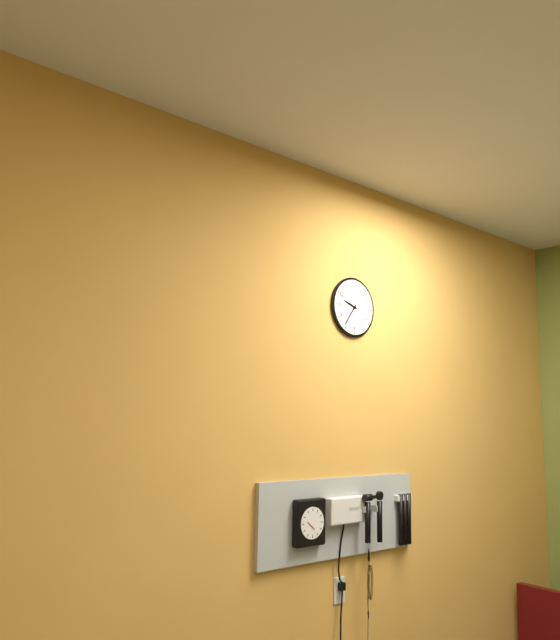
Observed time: 9h36
